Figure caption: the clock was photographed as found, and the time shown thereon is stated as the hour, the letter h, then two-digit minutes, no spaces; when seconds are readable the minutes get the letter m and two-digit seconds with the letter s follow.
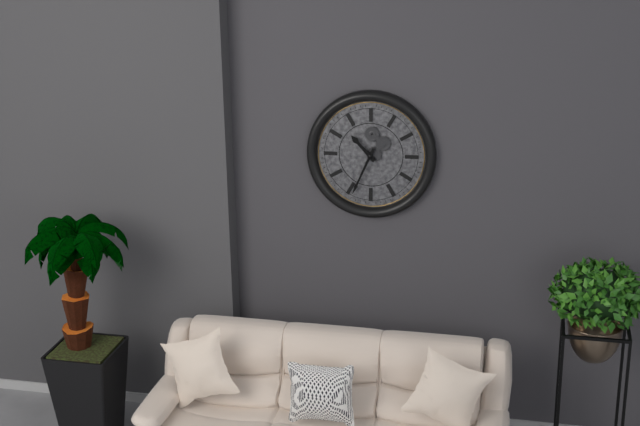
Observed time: 10h34
